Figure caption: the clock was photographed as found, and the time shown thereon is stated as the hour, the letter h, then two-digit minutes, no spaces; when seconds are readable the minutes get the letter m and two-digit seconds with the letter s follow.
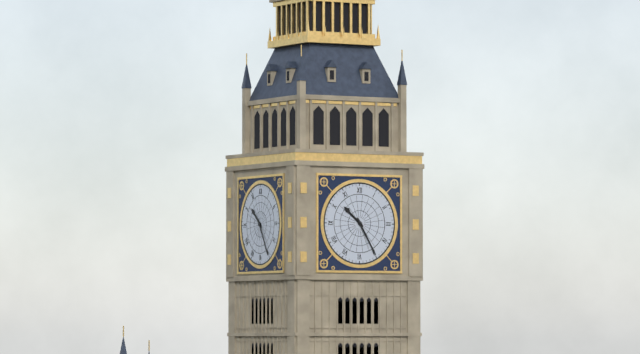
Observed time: 10h25
